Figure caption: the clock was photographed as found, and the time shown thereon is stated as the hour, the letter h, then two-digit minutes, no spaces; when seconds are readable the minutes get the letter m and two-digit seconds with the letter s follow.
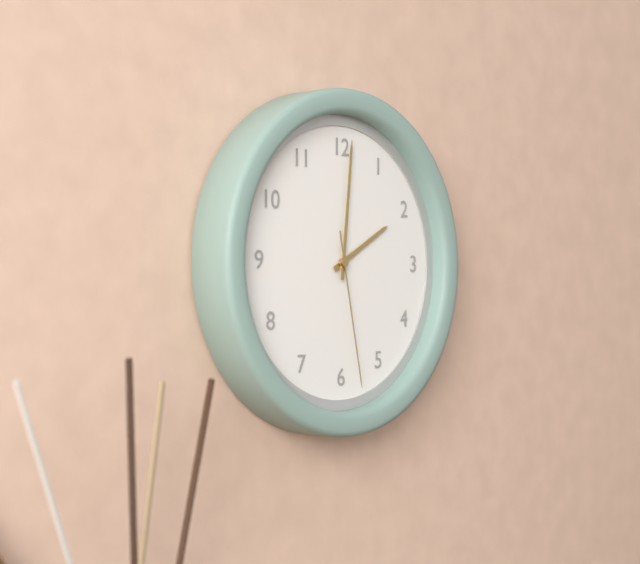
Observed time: 2h01m28s
